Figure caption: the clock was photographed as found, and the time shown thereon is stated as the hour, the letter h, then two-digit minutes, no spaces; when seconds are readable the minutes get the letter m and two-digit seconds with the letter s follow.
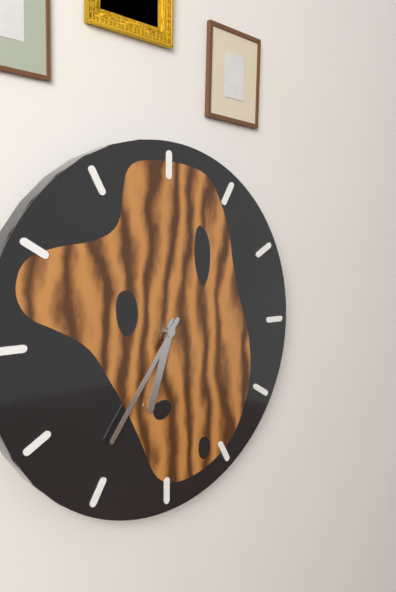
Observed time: 6h36
